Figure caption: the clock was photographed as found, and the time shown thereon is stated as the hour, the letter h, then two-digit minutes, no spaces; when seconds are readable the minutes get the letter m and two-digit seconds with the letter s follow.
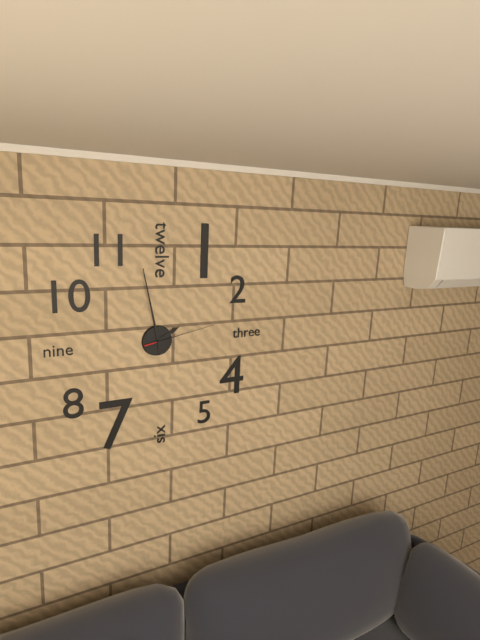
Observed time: 1h58m13s
